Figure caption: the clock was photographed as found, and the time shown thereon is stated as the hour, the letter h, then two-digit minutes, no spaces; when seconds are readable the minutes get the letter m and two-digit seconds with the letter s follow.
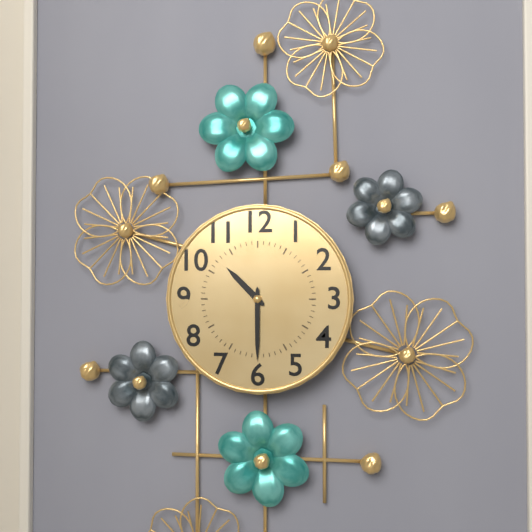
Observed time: 10h30
